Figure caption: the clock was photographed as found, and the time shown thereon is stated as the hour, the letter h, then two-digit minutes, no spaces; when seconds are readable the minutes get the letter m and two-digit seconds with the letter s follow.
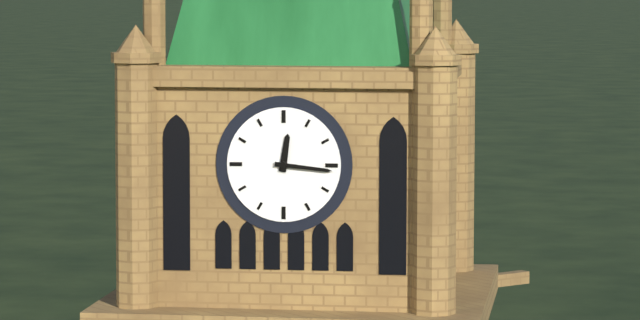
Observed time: 12h16
